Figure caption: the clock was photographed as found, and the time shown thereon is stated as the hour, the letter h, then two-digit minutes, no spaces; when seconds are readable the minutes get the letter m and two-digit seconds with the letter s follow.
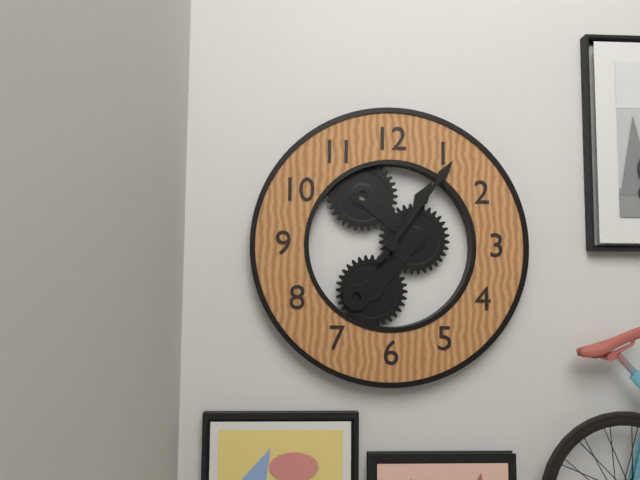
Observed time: 1h06
